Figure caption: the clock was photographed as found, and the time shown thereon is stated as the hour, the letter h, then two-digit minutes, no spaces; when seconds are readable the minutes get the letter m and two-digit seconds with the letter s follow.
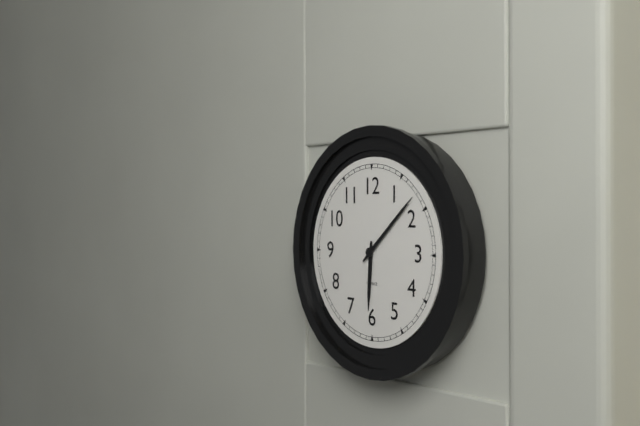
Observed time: 6h08
